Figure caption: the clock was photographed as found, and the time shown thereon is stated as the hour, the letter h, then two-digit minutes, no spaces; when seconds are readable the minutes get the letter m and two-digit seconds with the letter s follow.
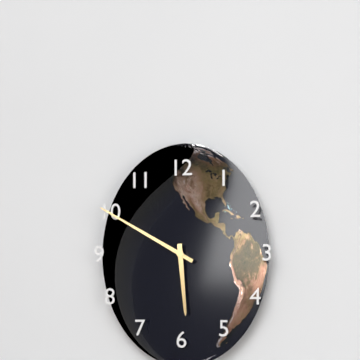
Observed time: 5h50
